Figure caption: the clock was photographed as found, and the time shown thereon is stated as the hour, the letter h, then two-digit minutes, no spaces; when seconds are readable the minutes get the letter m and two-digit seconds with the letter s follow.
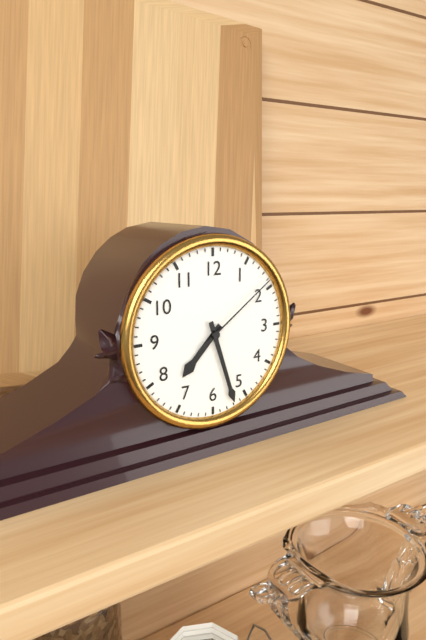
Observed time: 7h27m09s
